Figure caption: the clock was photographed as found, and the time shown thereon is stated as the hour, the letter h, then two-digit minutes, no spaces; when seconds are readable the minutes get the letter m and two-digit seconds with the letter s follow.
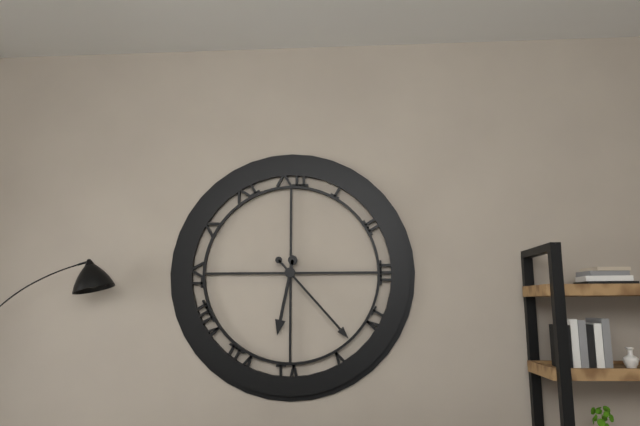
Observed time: 6h23
